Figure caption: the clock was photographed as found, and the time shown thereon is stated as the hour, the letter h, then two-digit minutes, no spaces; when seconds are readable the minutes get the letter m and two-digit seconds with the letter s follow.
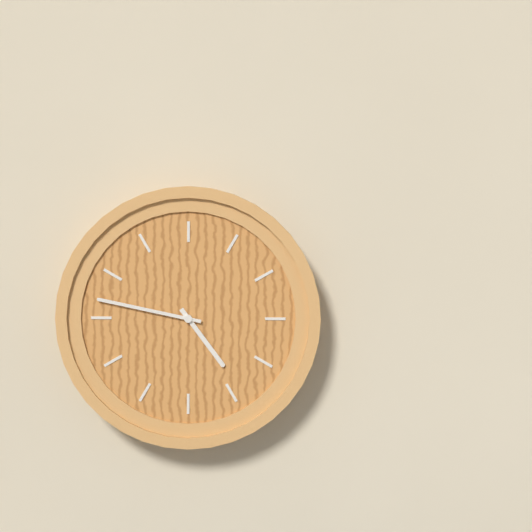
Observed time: 4h47
